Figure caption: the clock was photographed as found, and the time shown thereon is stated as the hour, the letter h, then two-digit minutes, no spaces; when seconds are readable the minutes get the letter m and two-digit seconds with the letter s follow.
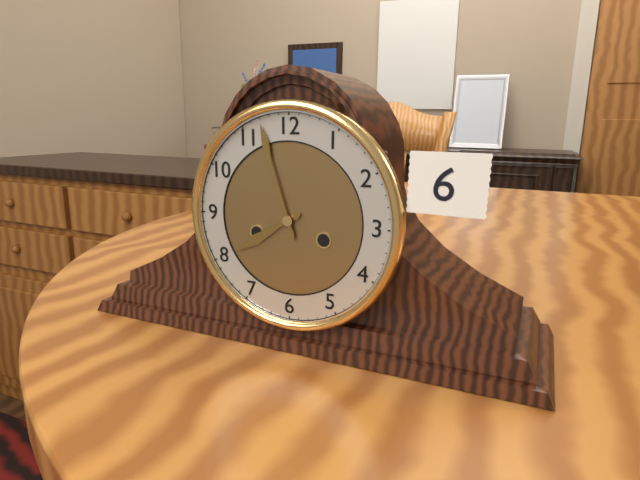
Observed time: 7h57
